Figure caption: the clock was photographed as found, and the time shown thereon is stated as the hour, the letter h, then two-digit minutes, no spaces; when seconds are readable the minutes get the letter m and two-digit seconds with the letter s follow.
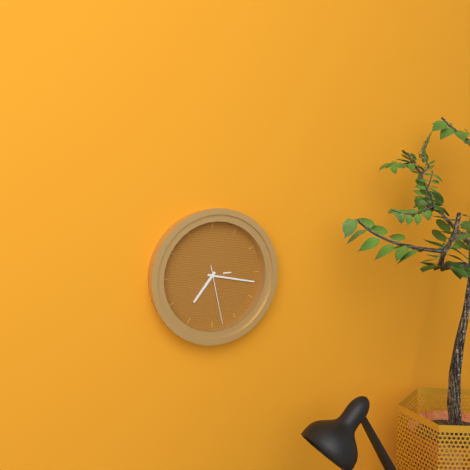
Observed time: 7h17m28s
